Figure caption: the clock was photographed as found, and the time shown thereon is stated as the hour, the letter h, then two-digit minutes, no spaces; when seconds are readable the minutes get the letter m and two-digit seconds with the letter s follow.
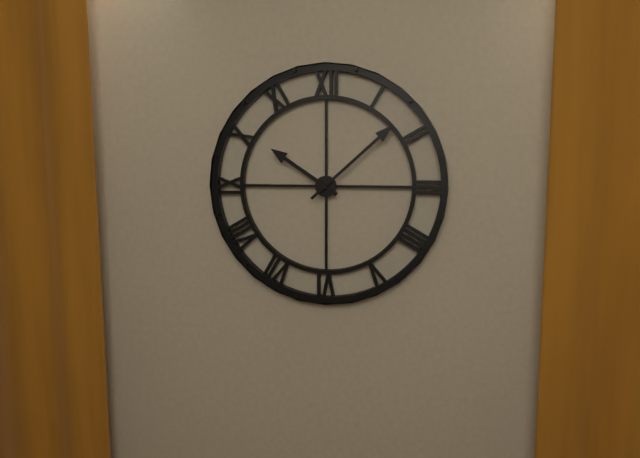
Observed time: 10h08
